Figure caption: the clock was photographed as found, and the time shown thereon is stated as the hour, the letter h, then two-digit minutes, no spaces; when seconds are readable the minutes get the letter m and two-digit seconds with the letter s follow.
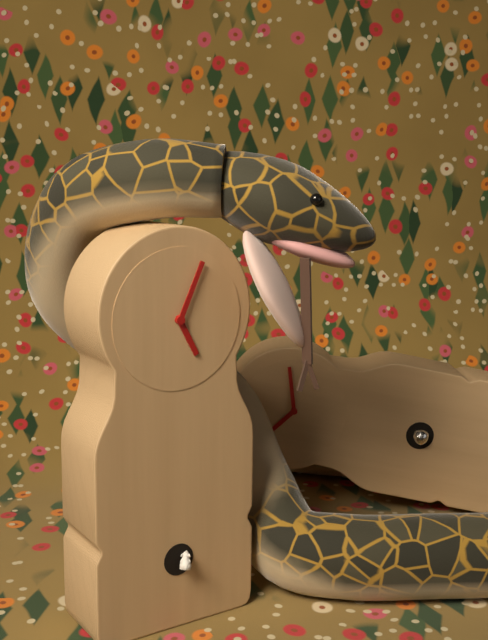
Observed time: 5h04
